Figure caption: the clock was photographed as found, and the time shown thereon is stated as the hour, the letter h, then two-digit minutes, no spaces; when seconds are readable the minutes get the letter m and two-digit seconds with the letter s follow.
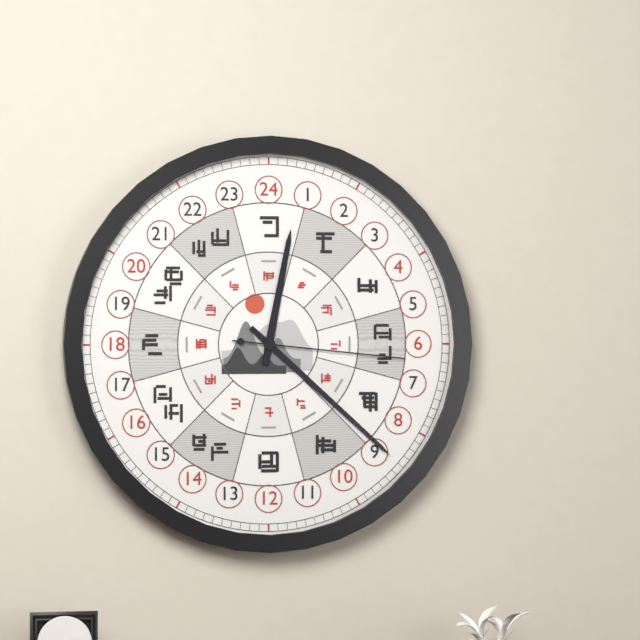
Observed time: 12h22m16s
